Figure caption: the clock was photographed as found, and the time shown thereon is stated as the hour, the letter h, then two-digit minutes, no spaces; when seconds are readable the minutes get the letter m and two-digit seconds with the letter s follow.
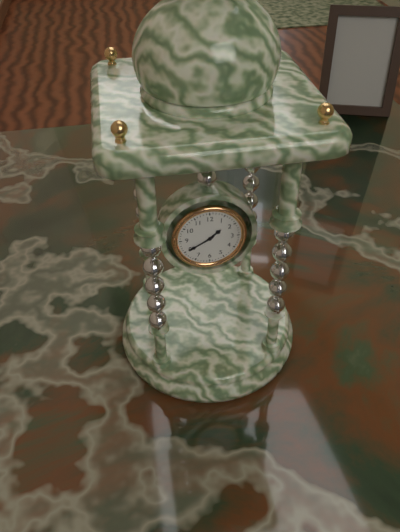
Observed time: 1h40
